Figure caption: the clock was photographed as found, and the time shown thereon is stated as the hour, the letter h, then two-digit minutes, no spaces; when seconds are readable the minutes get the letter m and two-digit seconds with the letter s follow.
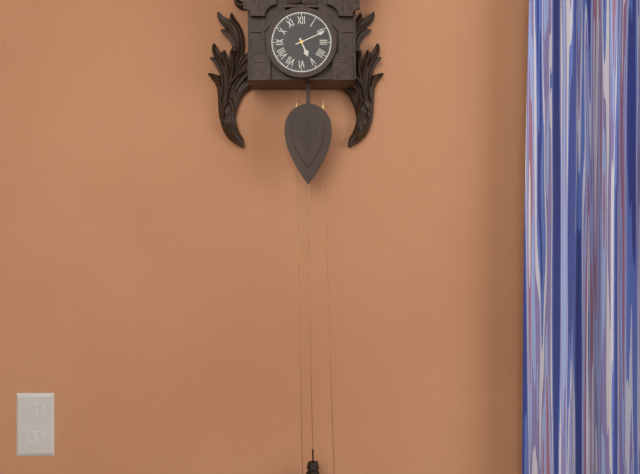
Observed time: 5h11
